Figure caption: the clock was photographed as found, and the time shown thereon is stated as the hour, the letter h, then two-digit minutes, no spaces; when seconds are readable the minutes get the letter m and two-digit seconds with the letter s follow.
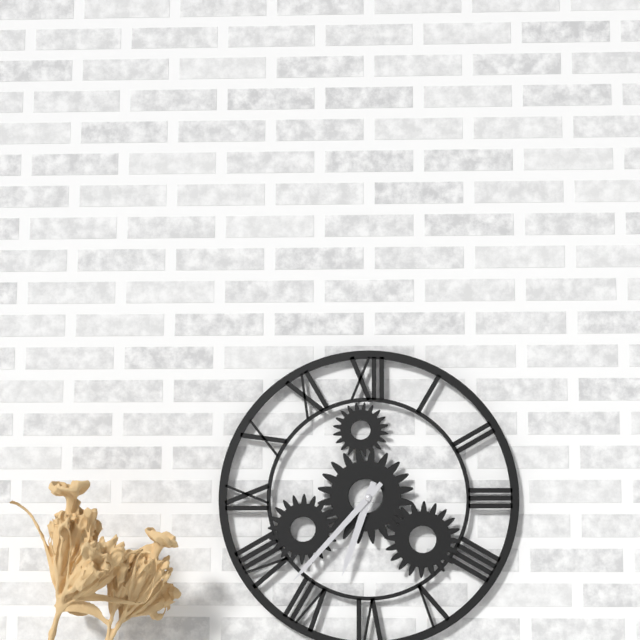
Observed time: 6h37
